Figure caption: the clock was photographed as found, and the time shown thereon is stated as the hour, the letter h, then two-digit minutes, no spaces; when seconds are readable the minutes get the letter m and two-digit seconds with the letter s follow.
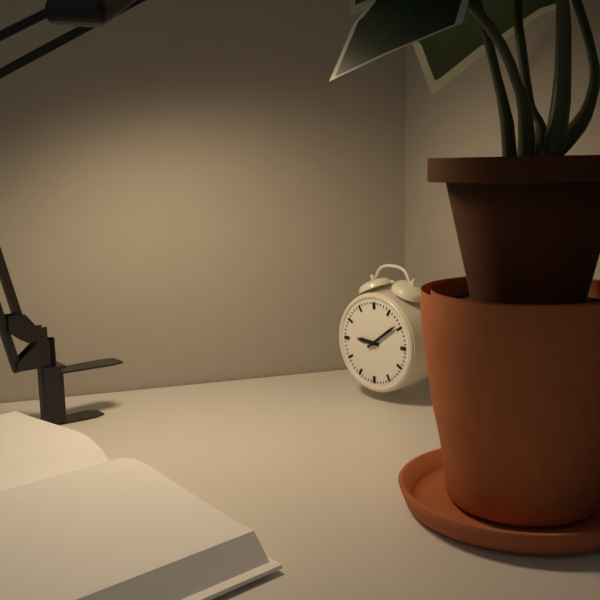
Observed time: 9h09
